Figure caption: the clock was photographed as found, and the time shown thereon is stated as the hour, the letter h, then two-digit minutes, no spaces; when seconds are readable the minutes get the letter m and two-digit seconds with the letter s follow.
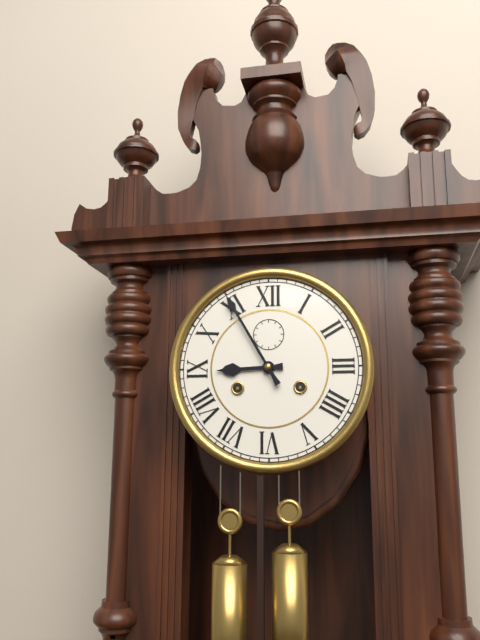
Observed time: 8h55
